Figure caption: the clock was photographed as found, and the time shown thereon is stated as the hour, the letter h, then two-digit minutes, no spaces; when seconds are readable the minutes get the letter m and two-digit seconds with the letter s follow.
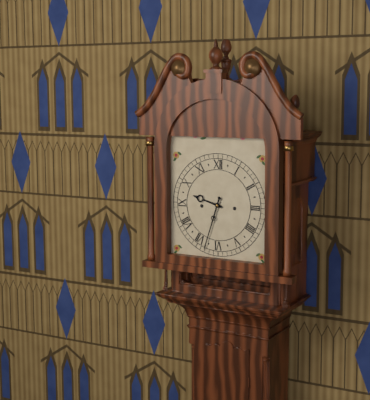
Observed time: 9h33
